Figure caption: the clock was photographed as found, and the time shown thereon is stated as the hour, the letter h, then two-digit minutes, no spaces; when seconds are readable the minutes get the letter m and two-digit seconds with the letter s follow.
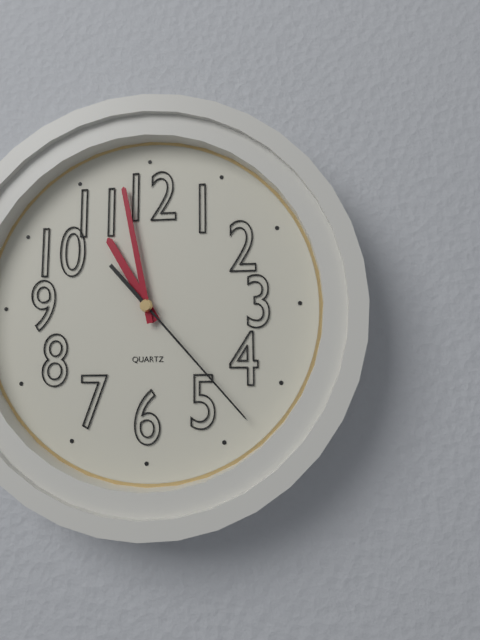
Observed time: 10h58m23s
